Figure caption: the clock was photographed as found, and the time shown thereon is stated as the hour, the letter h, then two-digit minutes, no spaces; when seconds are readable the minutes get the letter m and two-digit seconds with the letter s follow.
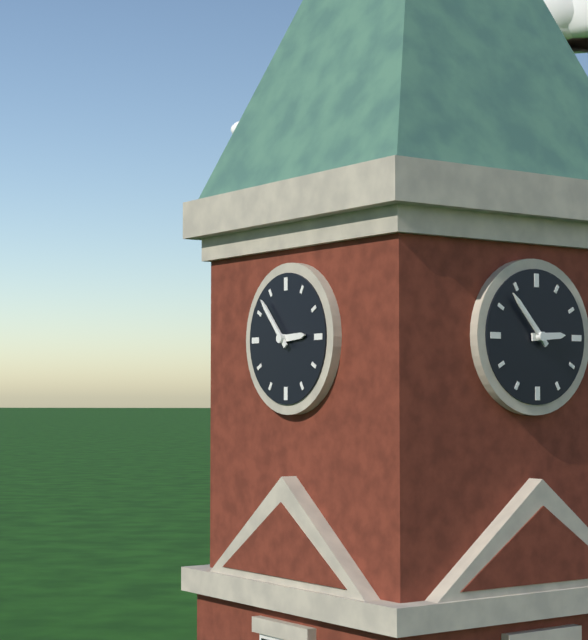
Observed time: 2h53
